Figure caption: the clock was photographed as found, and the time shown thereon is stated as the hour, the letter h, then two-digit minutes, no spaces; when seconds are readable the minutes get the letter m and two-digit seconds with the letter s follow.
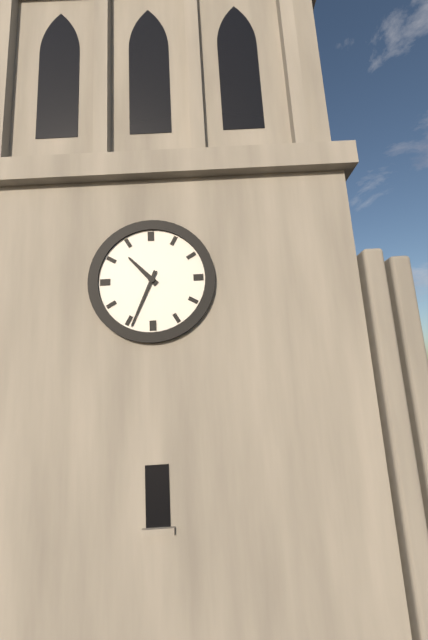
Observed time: 10h34
